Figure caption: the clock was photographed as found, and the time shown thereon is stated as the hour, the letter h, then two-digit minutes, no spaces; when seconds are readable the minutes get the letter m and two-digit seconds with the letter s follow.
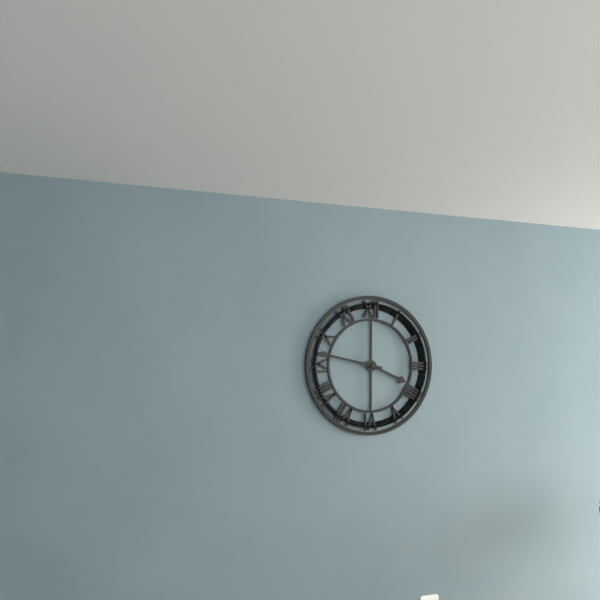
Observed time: 3h47
